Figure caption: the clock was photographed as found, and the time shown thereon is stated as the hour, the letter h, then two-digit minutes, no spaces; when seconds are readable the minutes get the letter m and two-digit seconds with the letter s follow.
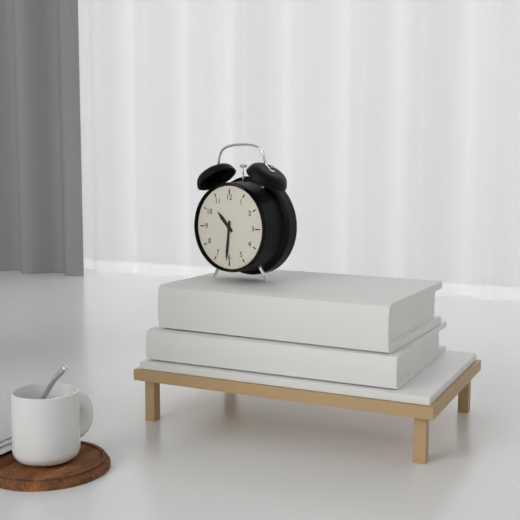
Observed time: 10h31
